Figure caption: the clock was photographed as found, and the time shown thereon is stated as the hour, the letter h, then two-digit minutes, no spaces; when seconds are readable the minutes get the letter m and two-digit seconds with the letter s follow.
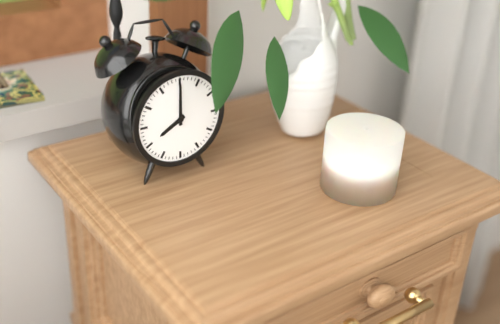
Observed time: 8h00
